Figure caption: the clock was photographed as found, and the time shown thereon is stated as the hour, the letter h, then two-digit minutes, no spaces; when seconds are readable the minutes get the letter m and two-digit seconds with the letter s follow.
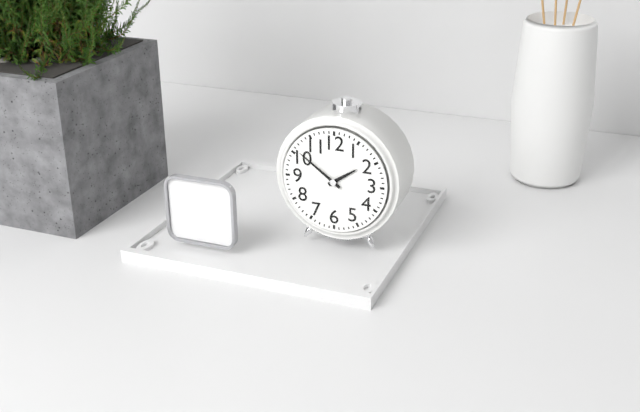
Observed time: 1h51
